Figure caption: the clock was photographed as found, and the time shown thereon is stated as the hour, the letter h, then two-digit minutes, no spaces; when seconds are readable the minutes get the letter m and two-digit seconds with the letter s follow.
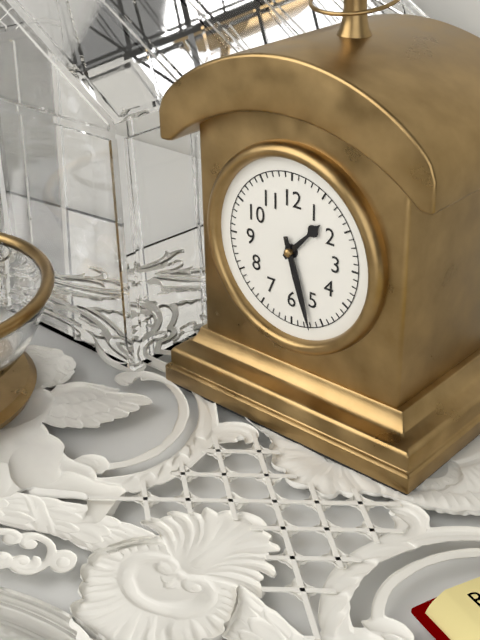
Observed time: 1h27
